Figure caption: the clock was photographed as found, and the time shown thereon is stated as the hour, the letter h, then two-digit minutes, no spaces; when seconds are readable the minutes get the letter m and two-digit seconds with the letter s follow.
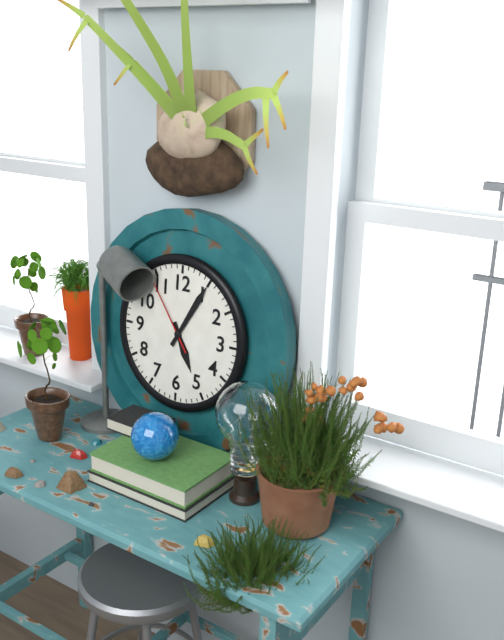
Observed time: 5h05m54s
